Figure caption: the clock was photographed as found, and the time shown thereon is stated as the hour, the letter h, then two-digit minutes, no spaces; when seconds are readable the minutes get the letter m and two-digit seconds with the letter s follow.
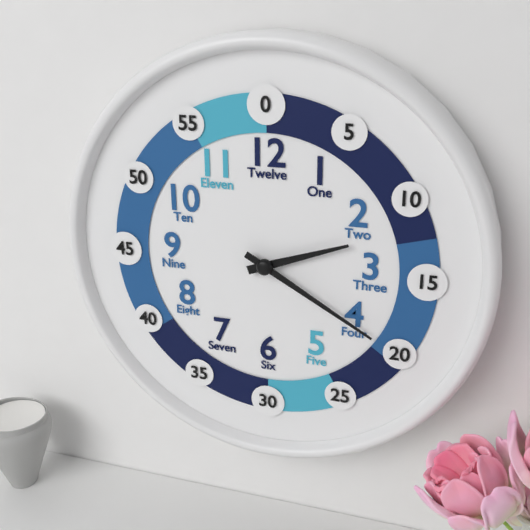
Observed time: 2h20
